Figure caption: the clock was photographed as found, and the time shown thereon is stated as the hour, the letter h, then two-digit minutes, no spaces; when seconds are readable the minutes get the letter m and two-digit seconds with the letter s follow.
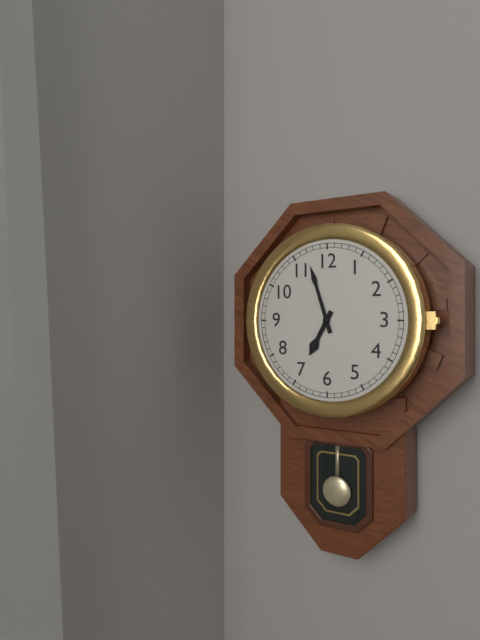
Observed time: 6h57
